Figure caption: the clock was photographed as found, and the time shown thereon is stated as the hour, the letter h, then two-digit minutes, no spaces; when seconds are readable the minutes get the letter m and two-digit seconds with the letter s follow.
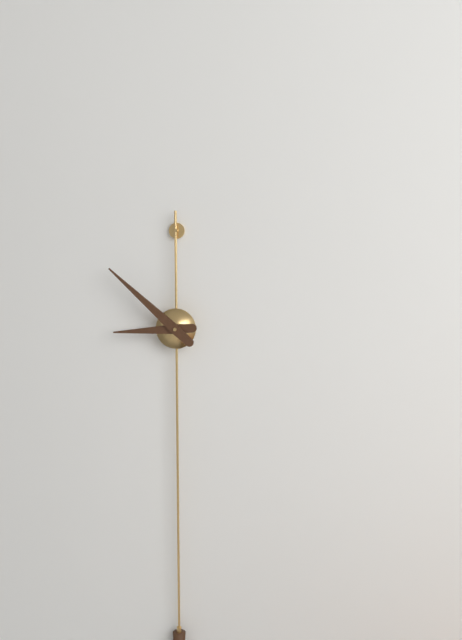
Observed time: 8h52
